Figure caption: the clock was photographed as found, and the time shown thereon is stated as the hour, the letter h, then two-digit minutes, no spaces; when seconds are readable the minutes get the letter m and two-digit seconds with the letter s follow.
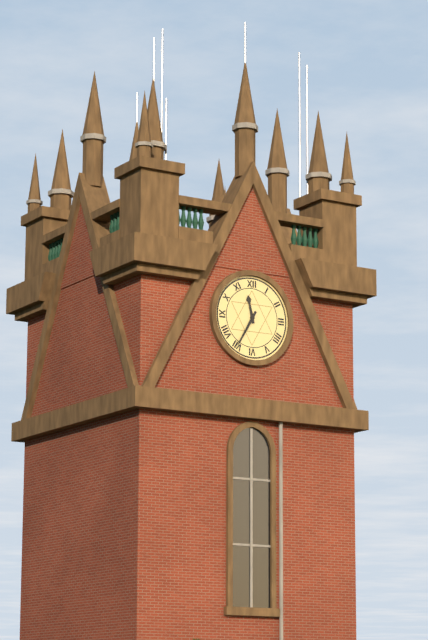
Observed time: 11h35
